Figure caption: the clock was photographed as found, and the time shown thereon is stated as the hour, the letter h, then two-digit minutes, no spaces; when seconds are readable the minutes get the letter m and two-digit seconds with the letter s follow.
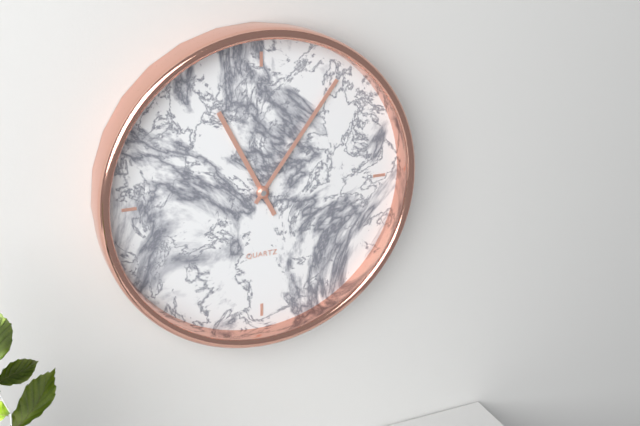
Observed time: 11h06
